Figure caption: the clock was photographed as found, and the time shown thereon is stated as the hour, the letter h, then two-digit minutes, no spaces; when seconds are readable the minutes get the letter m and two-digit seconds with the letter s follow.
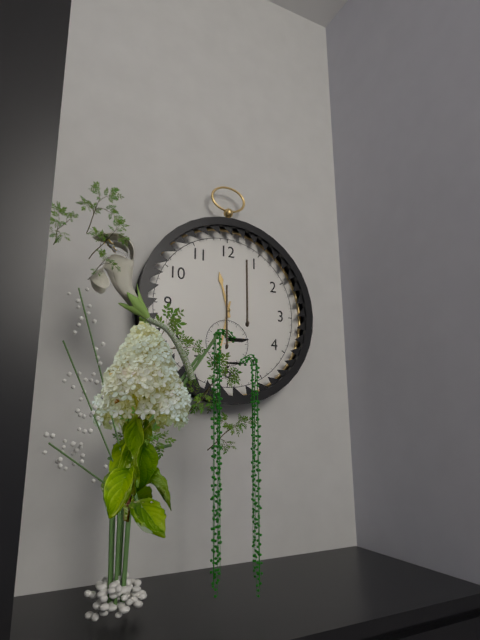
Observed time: 11h32
